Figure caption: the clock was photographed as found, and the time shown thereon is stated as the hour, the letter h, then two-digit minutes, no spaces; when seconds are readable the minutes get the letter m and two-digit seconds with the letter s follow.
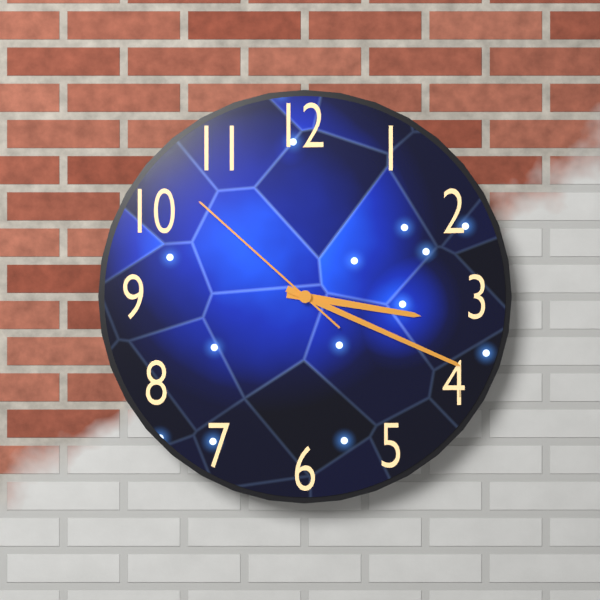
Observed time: 3h19m52s
